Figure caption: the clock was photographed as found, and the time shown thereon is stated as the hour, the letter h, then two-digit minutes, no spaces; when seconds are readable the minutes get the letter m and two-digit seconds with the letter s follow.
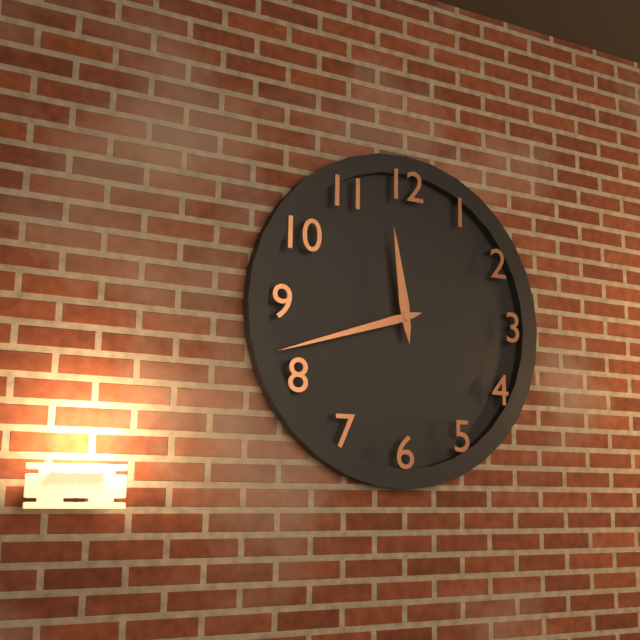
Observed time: 11h42
